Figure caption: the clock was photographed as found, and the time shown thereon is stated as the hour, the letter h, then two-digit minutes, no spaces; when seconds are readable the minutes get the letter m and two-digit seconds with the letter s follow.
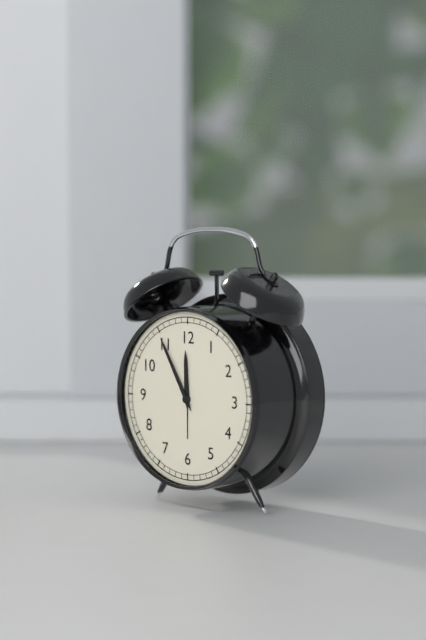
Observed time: 11h55
